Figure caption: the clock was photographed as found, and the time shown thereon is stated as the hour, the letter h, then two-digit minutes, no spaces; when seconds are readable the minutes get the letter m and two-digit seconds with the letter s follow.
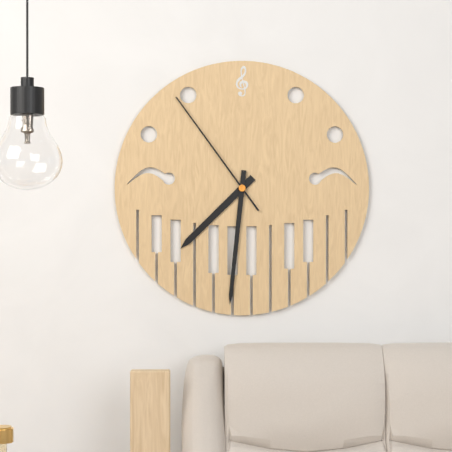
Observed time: 7h31m54s
